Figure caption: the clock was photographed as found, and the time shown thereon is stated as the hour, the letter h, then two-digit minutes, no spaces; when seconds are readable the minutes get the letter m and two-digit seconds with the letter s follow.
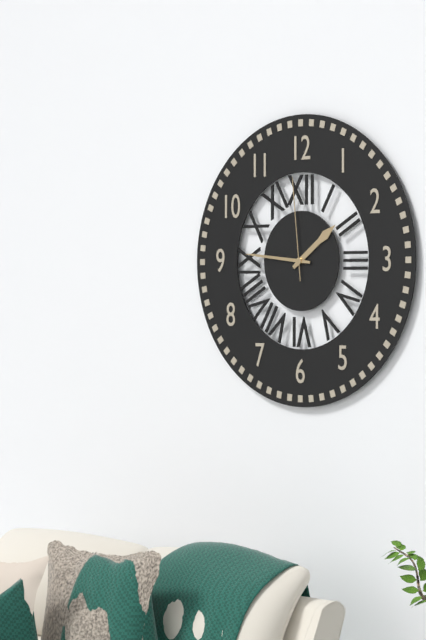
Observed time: 1h46m59s
